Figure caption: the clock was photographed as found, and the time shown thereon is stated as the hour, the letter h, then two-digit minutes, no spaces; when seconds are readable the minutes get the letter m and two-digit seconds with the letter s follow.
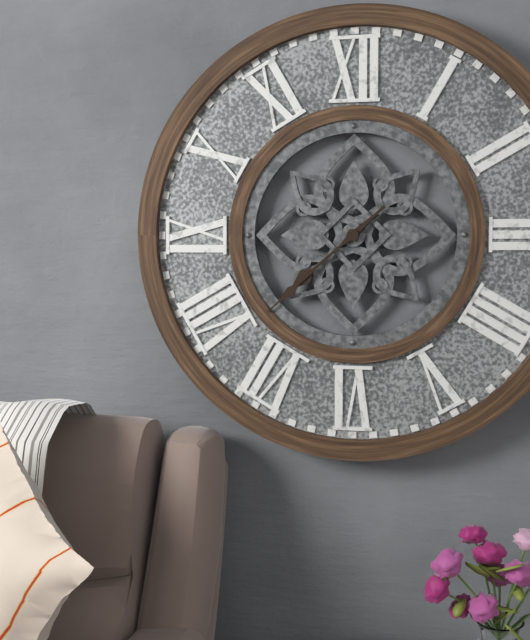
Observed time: 7h38
